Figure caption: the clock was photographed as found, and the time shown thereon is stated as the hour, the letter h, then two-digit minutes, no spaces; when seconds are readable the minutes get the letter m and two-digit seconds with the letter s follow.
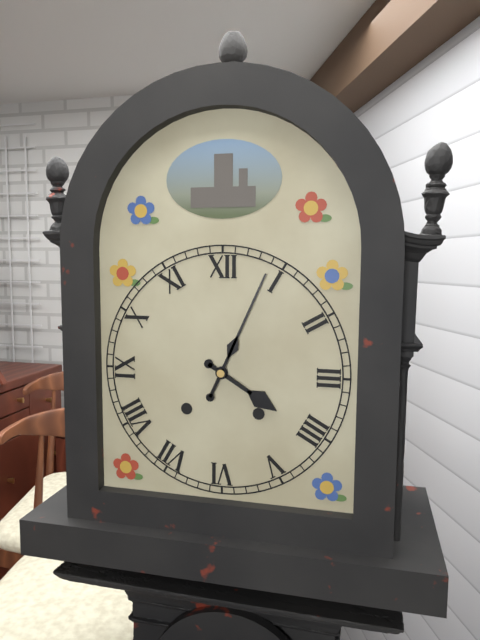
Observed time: 4h04
